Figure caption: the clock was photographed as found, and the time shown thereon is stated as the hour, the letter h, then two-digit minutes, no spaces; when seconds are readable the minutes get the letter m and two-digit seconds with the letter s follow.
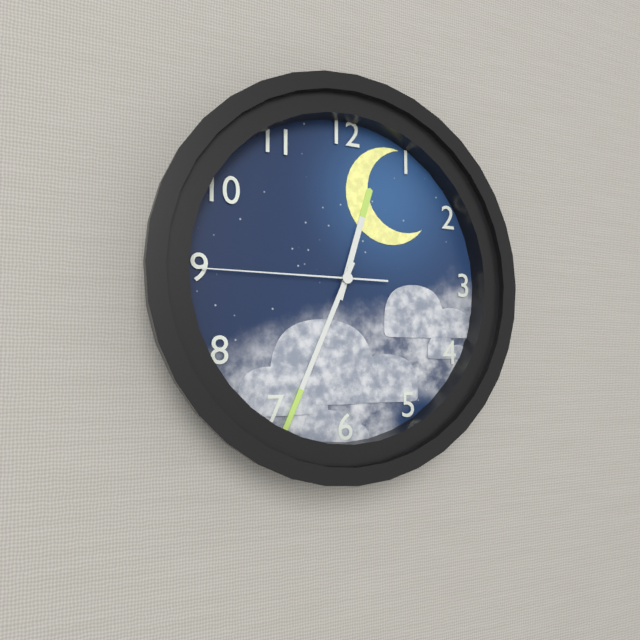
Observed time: 12h34m45s
